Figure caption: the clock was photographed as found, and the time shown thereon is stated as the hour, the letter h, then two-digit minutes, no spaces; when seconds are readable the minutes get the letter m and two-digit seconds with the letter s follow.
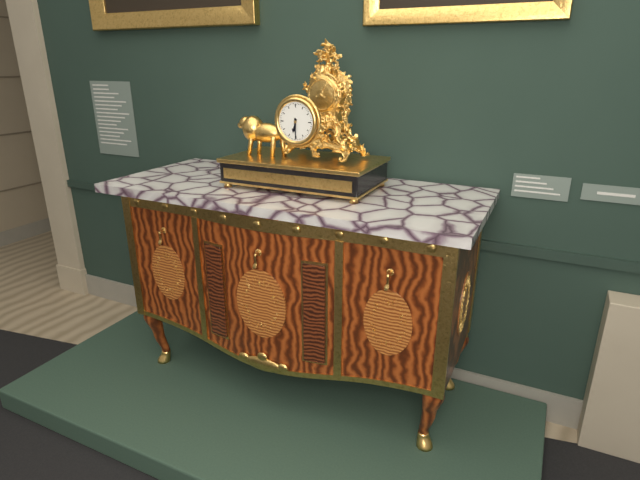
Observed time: 6h30
